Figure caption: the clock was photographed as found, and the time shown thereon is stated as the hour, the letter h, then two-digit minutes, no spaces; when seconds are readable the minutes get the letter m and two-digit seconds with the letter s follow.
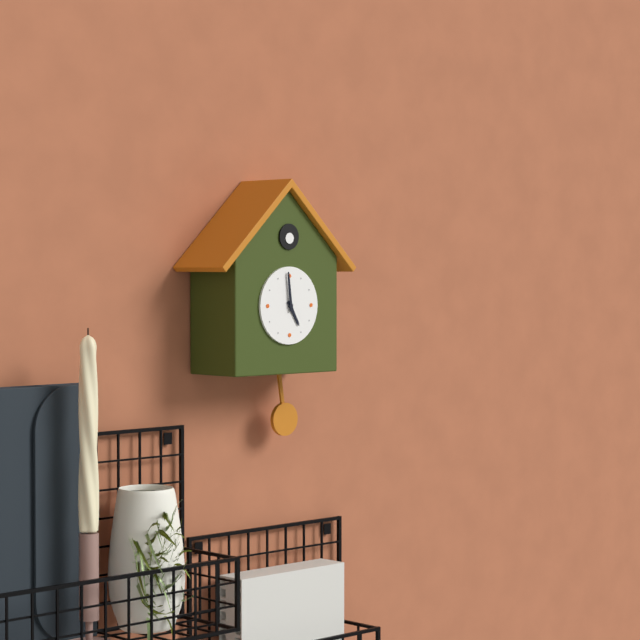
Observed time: 4h59
